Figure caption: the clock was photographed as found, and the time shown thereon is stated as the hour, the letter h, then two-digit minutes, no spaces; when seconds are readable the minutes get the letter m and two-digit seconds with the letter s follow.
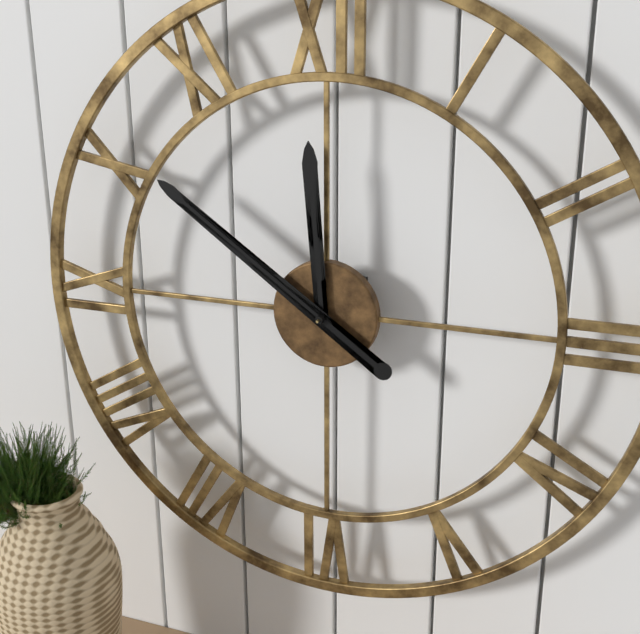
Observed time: 11h51
